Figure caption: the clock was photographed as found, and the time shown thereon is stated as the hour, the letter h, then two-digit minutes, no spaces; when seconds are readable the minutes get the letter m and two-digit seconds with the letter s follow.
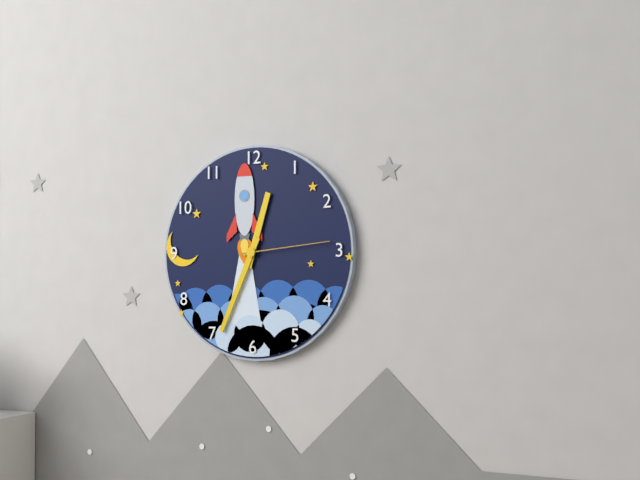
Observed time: 12h34m14s
